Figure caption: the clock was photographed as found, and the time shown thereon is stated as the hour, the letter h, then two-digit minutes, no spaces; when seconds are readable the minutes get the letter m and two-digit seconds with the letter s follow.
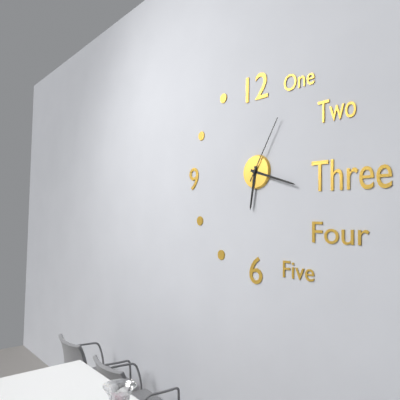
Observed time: 6h18m05s
